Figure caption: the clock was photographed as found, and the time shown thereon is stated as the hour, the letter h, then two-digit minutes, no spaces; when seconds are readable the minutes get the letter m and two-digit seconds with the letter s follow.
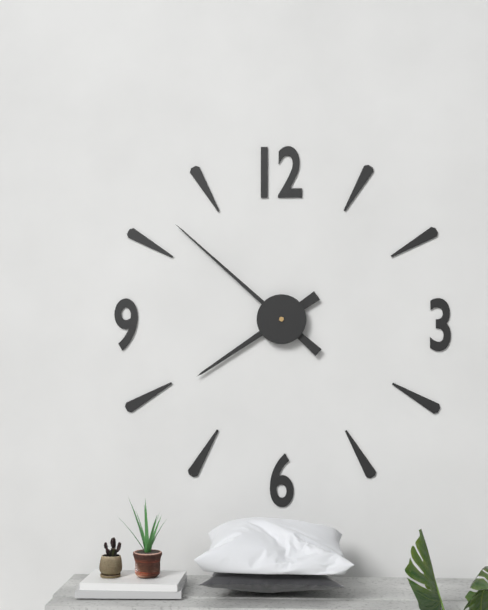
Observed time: 7h52
